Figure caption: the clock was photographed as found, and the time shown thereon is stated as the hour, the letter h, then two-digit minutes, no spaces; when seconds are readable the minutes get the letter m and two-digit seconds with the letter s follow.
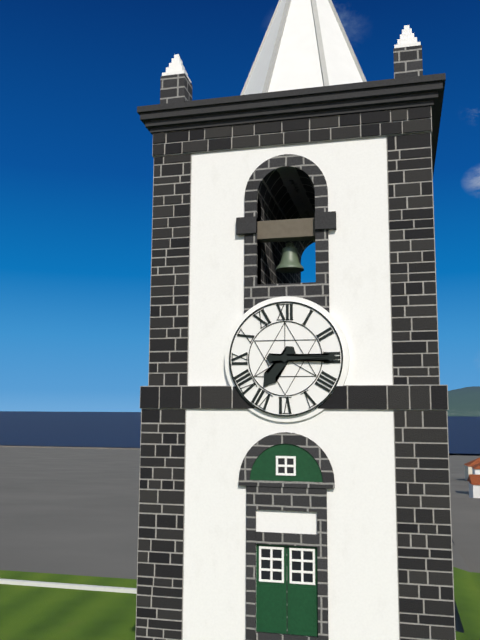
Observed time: 7h15
